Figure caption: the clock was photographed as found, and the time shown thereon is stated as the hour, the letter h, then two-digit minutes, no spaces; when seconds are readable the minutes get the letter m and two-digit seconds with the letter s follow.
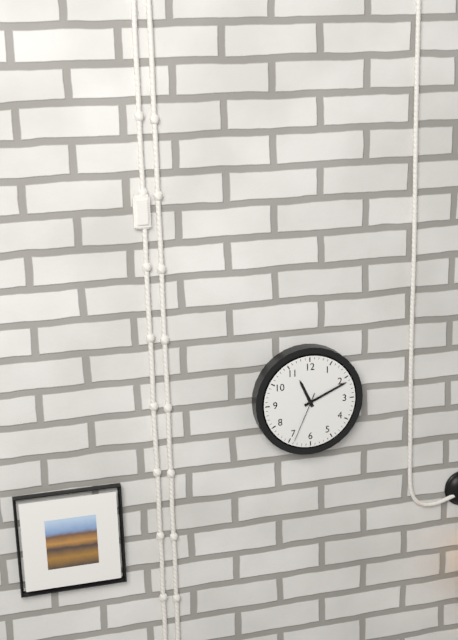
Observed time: 11h11m34s
